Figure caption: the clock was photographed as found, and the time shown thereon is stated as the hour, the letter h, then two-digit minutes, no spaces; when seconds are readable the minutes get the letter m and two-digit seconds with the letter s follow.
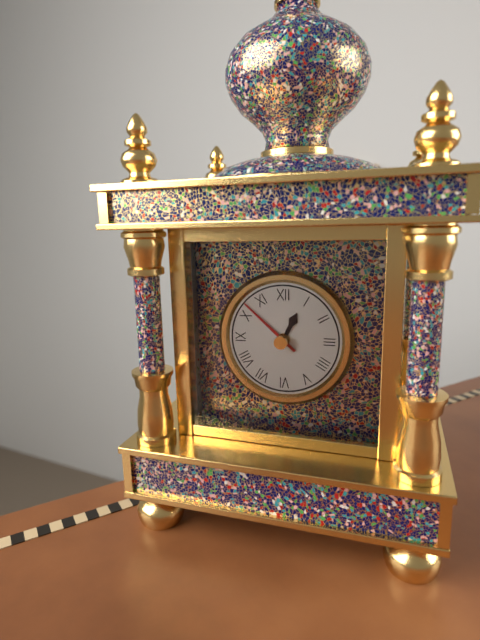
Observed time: 12h52
